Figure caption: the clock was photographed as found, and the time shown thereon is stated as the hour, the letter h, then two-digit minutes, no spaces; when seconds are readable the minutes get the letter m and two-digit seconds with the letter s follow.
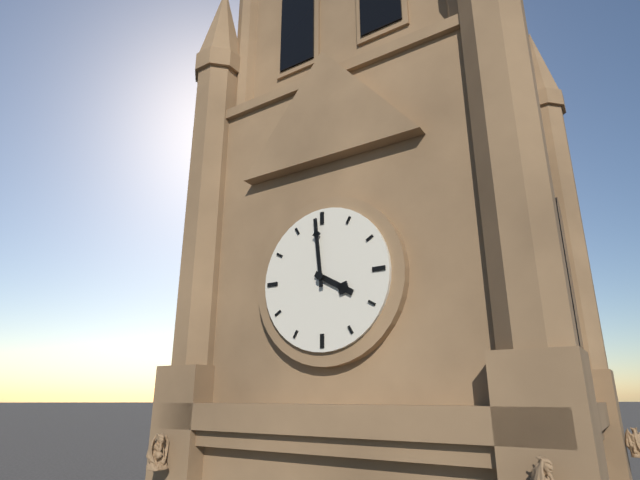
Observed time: 3h59
